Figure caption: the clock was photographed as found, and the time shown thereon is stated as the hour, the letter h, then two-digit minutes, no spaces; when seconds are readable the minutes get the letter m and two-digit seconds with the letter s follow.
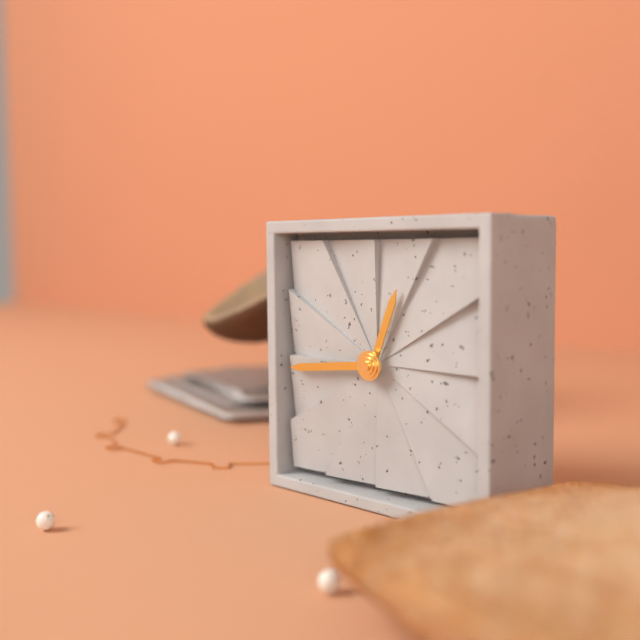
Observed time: 12h44
